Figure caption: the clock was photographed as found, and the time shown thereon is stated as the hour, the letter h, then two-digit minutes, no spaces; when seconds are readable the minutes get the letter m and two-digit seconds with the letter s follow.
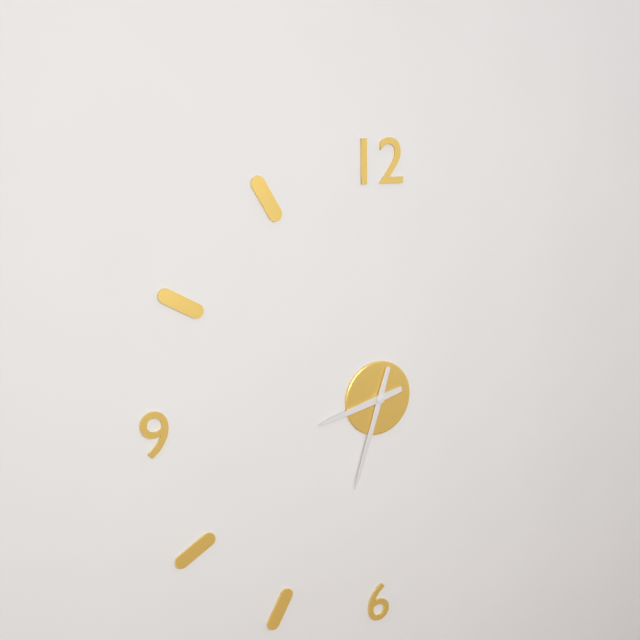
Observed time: 8h33
